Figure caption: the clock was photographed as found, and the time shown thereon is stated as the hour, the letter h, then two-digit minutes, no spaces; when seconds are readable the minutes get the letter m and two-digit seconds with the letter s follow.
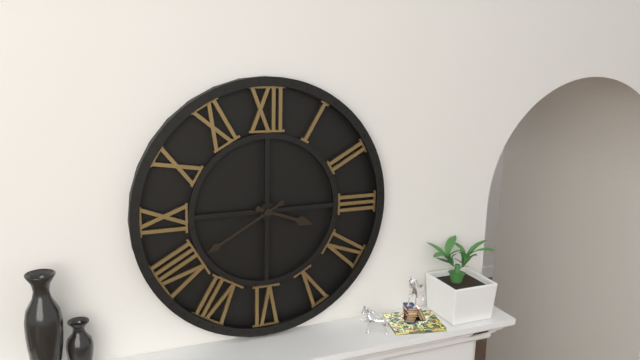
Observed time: 3h40
